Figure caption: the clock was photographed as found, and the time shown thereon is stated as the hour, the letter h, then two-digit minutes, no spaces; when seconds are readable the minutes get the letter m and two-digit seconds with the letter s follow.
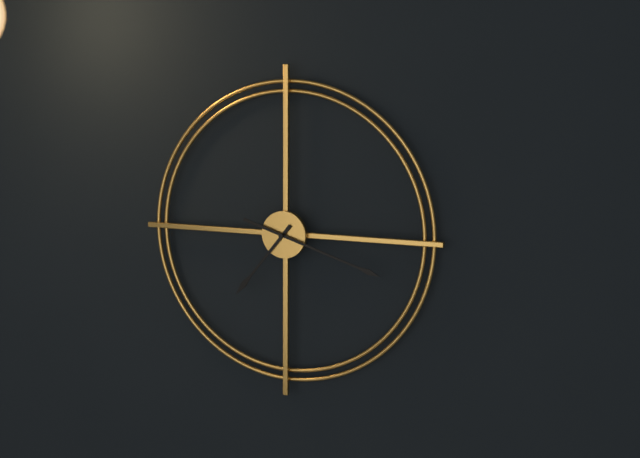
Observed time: 7h18
